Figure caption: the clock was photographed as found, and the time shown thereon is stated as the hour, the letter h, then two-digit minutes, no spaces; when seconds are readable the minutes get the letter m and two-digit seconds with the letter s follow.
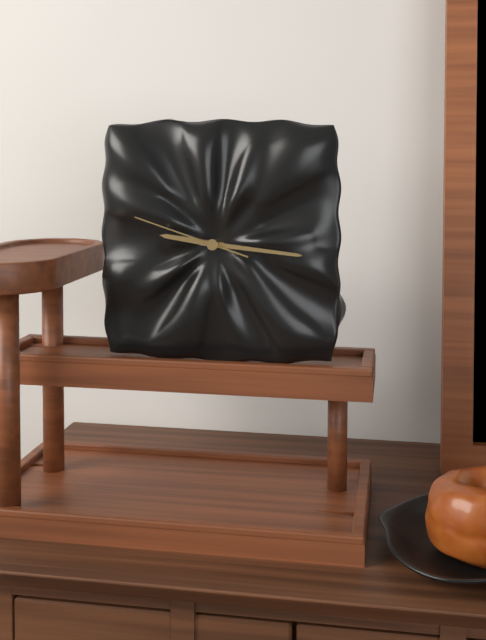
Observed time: 9h16m48s
